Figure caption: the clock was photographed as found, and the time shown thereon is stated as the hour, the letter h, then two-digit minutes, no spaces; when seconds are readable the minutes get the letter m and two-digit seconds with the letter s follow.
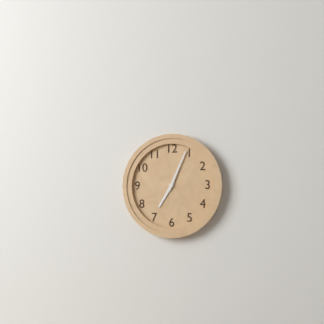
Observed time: 7h04
